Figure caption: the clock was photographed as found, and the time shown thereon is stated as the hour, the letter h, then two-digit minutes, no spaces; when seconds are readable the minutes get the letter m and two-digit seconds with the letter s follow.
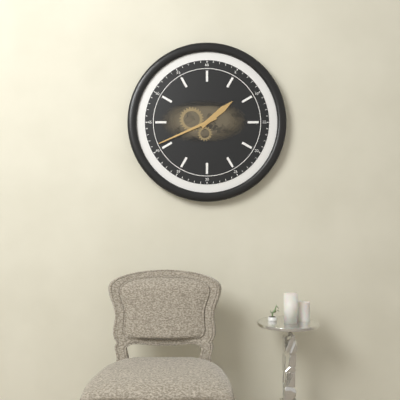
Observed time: 1h41
